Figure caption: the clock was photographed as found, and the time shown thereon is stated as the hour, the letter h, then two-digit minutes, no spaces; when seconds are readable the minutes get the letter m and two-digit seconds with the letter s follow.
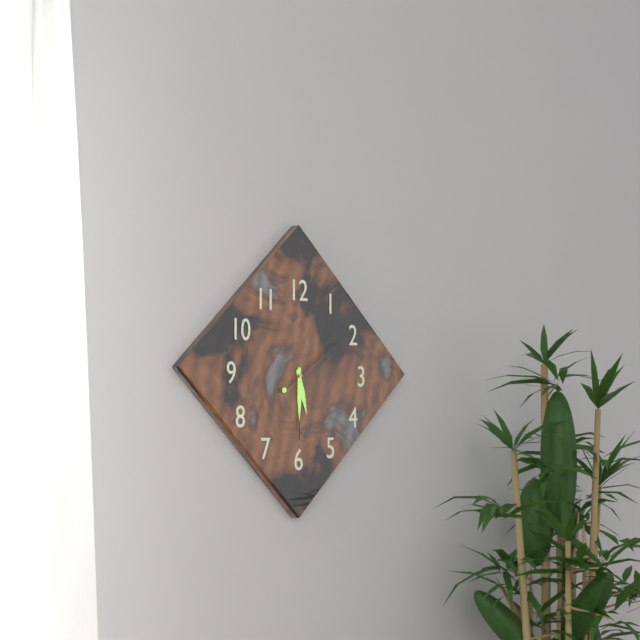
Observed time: 5h30m09s
